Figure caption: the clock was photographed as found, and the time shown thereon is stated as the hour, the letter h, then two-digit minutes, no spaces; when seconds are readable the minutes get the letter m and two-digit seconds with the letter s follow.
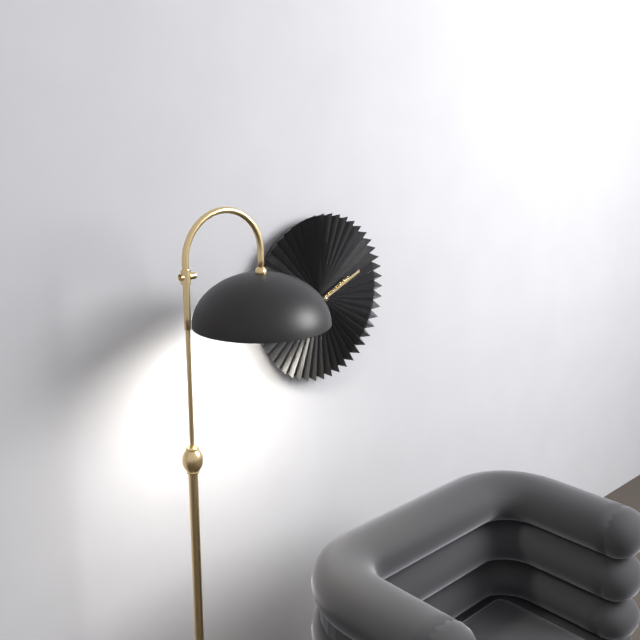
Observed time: 2h11
